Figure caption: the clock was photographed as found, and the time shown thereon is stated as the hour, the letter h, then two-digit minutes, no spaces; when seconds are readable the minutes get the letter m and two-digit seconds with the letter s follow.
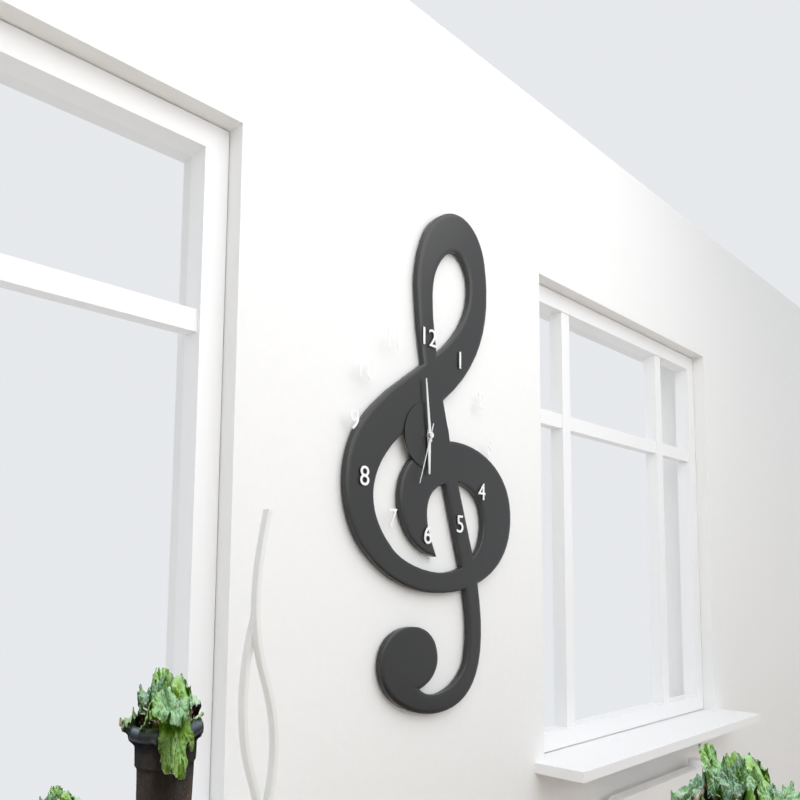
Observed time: 5h59m33s
